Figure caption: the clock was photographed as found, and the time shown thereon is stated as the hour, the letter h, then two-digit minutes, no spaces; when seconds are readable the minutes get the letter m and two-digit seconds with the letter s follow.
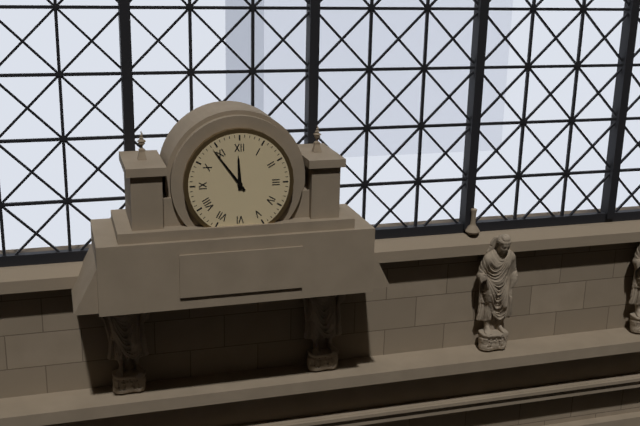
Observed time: 11h54
